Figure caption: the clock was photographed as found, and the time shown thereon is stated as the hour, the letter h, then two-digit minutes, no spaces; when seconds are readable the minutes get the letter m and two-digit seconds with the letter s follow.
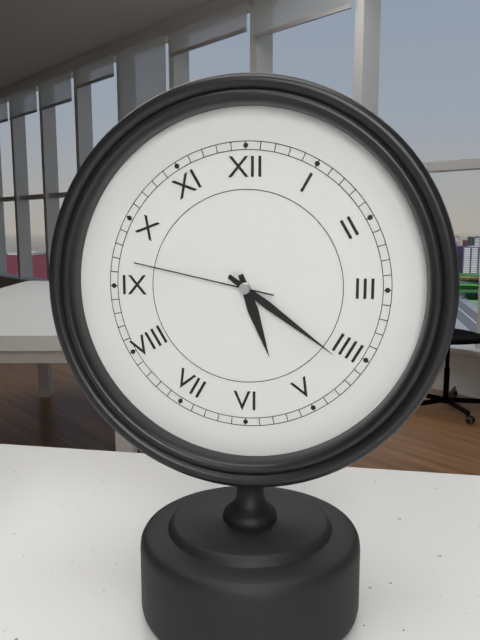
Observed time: 5h21m47s
